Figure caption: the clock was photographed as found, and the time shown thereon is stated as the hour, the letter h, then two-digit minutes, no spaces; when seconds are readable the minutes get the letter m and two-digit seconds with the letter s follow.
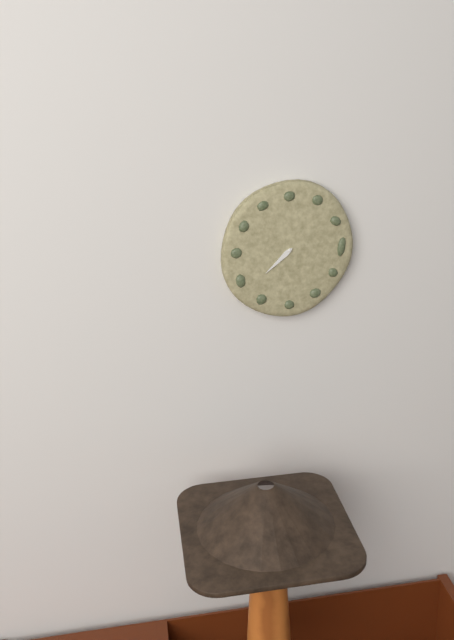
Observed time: 7h38
